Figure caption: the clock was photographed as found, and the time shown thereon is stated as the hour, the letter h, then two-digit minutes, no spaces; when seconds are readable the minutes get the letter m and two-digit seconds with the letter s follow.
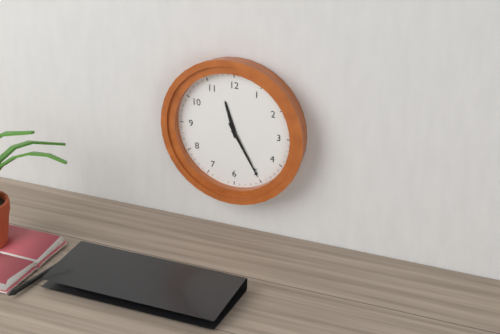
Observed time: 11h25
